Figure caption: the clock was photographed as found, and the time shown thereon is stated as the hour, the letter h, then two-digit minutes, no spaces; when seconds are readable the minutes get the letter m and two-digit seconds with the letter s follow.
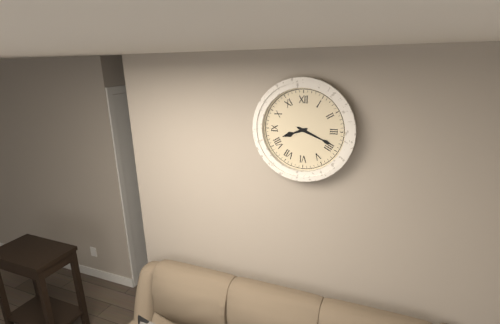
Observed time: 8h19
